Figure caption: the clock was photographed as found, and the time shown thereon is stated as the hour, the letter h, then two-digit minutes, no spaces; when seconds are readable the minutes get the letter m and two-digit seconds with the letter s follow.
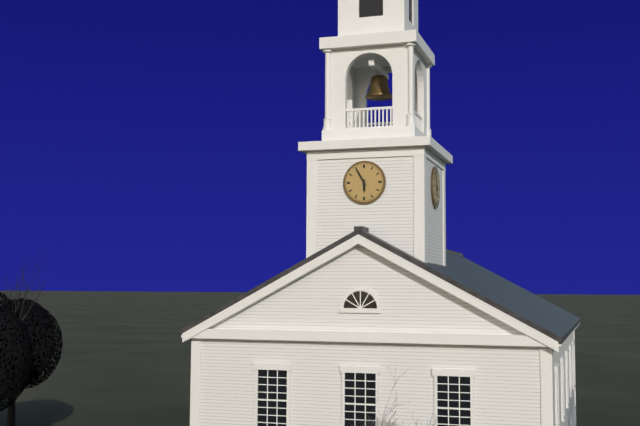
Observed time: 5h55
